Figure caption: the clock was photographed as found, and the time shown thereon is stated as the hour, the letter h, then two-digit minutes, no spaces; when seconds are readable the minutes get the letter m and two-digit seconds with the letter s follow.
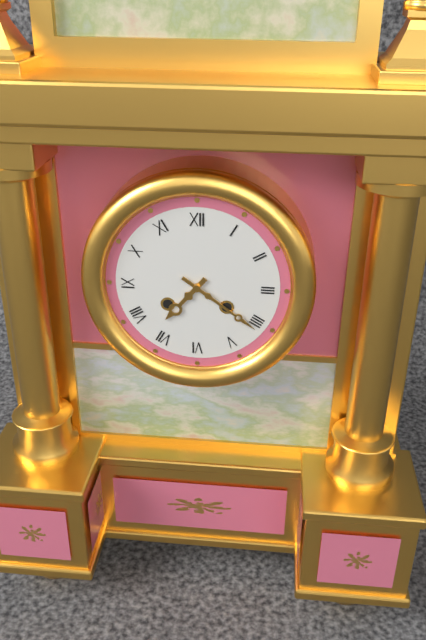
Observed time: 7h21
